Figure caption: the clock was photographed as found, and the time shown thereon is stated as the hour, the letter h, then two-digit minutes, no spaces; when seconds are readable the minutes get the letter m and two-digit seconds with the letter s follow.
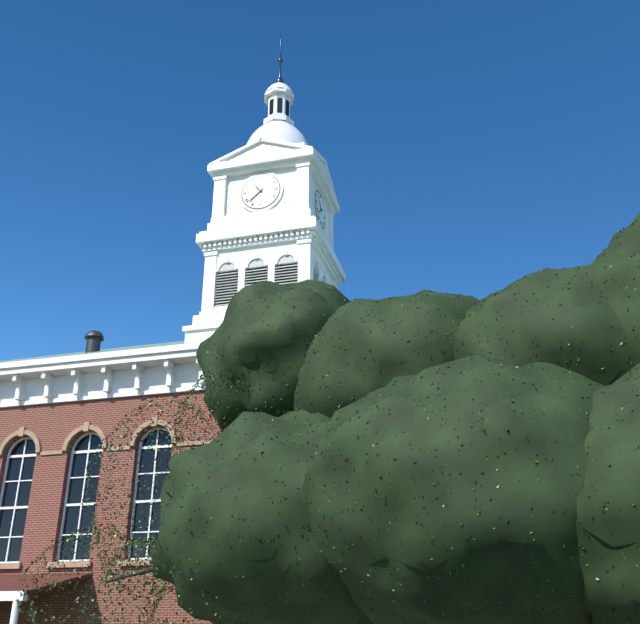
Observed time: 10h38
